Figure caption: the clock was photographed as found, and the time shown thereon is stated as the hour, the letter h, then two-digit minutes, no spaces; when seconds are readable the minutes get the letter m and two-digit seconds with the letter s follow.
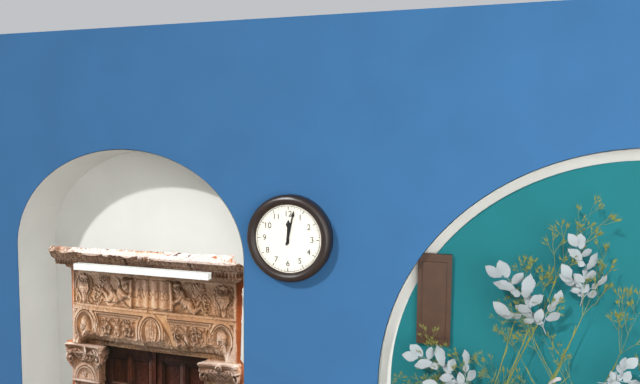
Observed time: 12h02
